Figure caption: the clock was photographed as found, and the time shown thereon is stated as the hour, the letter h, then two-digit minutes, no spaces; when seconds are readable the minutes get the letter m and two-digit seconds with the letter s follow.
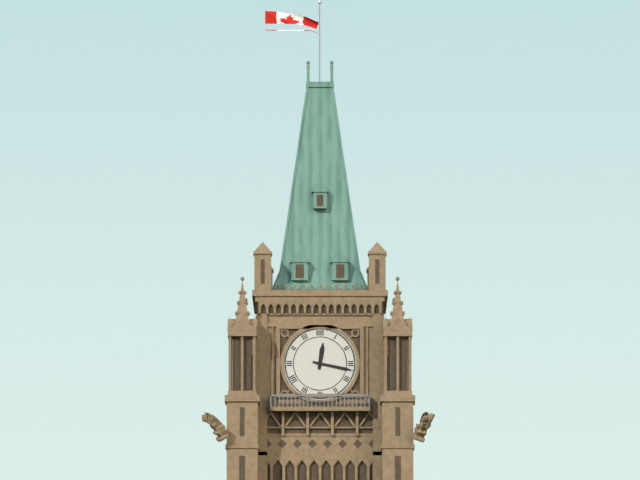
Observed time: 12h17
